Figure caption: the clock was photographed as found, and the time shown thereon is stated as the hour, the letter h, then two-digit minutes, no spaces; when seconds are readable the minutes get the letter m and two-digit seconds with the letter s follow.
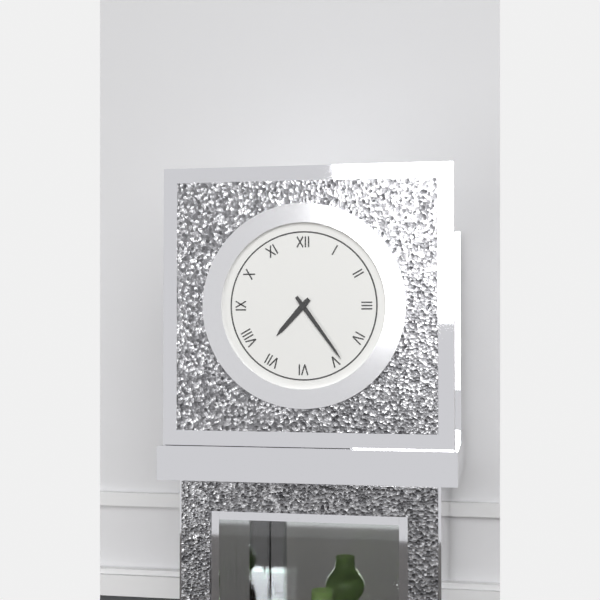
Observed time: 7h24
